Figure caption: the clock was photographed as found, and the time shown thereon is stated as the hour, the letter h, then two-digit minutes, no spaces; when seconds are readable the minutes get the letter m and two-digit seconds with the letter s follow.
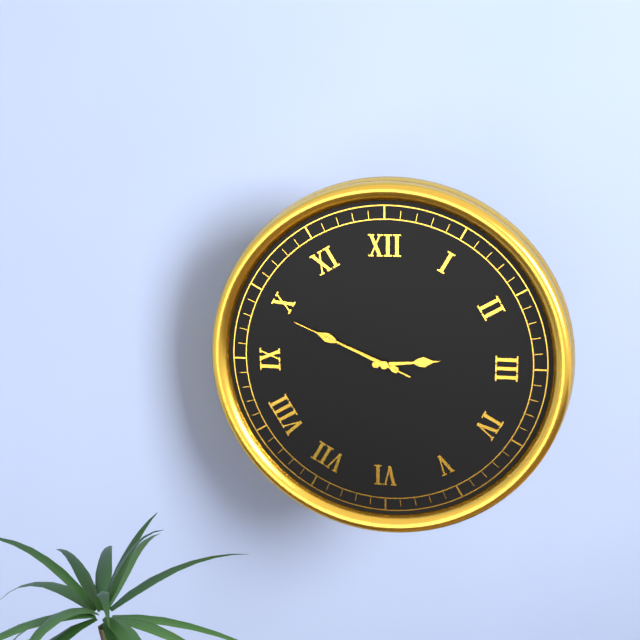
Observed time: 2h49m49s
